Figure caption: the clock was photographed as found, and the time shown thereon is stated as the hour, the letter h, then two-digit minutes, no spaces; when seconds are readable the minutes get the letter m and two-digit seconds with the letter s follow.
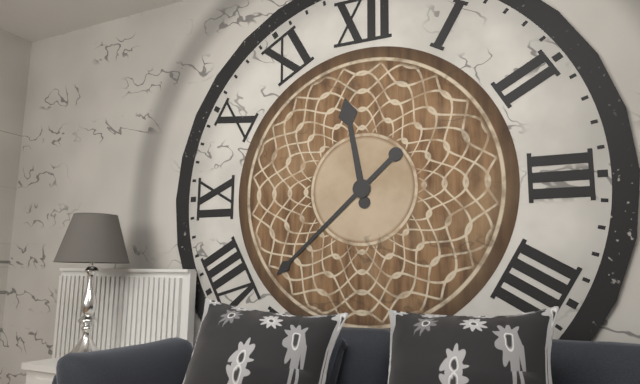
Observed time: 11h38
